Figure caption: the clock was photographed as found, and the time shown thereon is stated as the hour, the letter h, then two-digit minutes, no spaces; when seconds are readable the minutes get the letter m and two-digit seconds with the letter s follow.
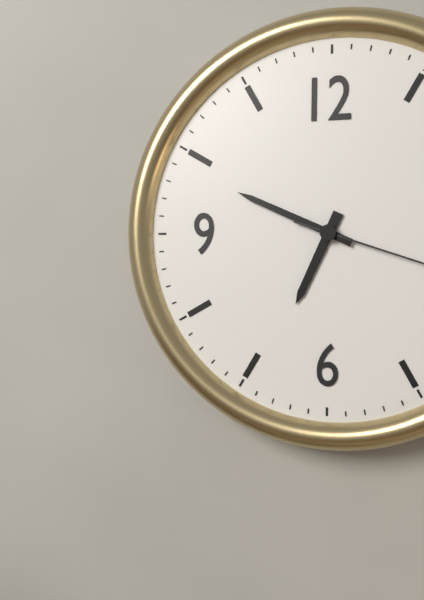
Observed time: 6h49
